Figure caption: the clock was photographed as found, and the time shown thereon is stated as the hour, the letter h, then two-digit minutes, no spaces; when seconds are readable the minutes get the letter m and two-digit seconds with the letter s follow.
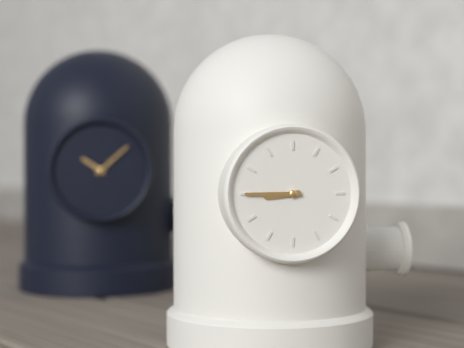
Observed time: 8h45
